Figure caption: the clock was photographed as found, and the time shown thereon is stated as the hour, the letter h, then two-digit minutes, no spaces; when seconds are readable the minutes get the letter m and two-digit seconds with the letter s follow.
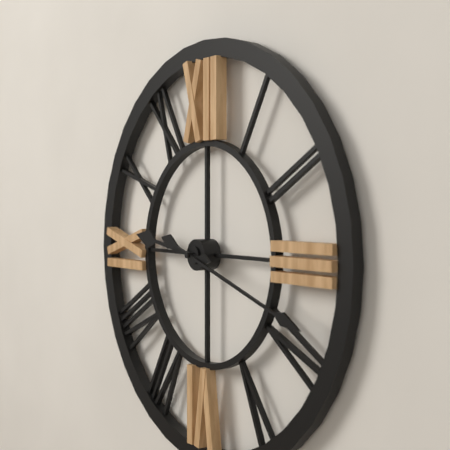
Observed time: 9h18
